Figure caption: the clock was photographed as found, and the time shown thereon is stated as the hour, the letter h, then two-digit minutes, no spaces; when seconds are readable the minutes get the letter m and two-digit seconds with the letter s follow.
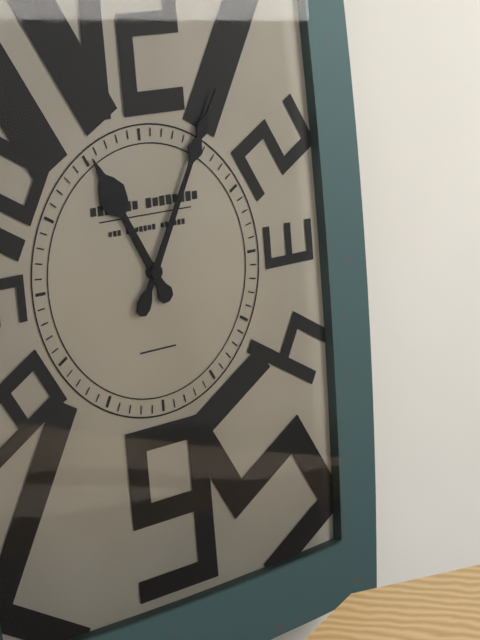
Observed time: 11h05
